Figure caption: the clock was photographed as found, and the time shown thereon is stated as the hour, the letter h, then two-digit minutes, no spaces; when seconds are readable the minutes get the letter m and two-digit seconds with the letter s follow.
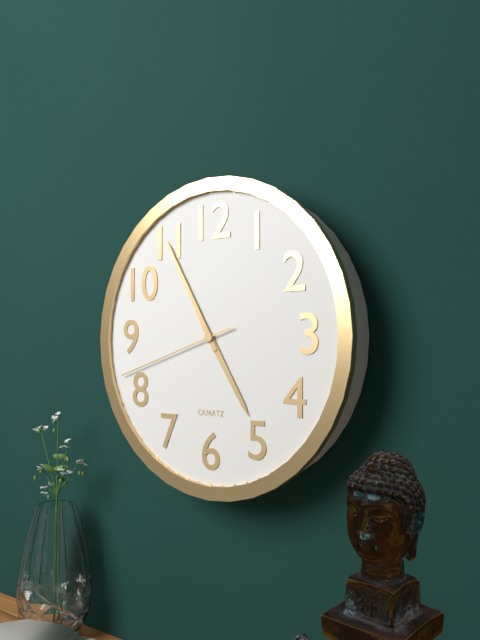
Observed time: 4h55m42s
